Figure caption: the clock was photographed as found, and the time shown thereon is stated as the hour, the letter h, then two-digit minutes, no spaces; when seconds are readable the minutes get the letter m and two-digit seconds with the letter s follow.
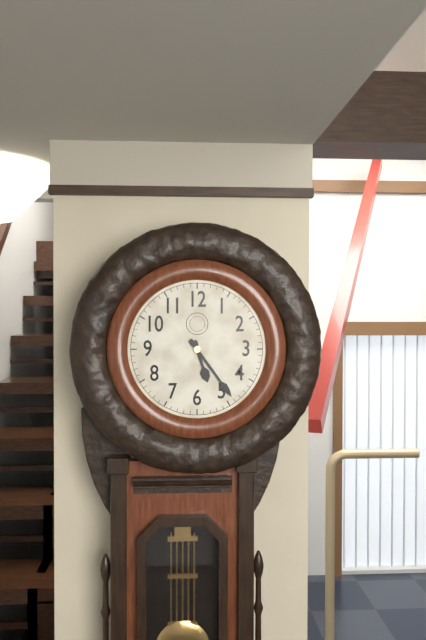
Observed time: 5h24
